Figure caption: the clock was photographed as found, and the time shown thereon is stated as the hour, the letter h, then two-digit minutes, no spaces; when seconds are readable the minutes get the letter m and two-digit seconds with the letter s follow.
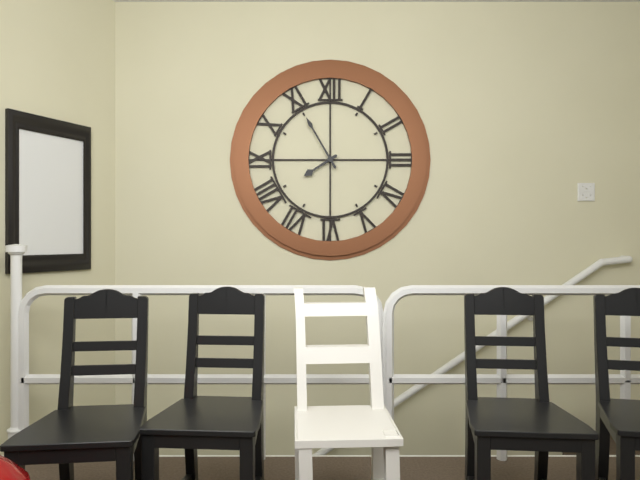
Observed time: 7h55
